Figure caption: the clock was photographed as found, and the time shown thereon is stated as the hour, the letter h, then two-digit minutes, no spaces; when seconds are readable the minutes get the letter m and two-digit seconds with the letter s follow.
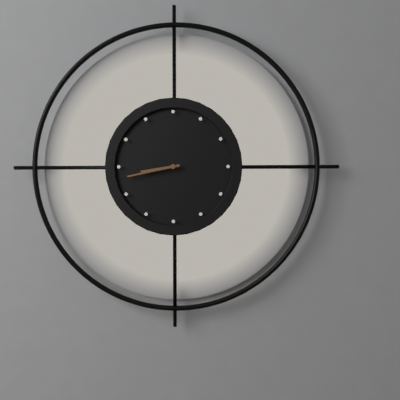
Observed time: 8h43
